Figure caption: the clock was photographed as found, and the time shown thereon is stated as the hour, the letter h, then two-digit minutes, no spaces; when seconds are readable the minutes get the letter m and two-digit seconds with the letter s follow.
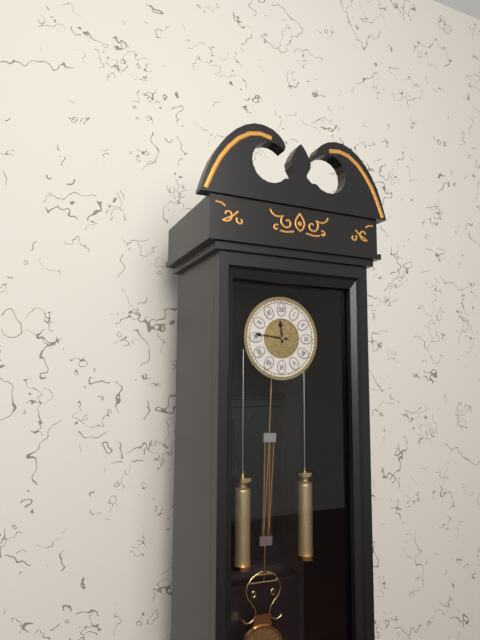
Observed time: 11h46
